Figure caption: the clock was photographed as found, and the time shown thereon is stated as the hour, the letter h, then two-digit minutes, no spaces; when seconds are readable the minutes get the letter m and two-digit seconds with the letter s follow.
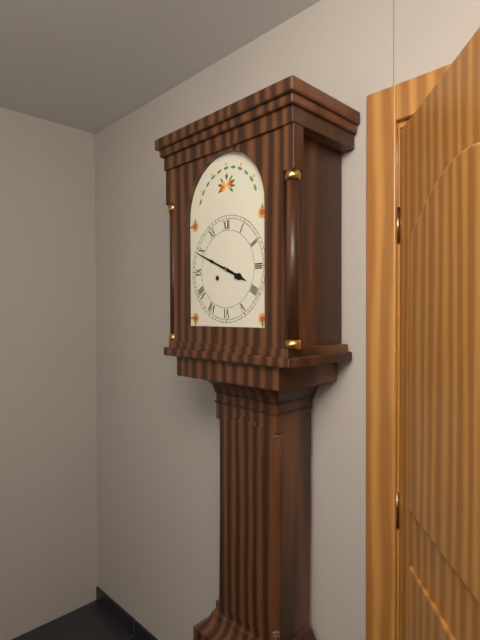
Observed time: 3h49
